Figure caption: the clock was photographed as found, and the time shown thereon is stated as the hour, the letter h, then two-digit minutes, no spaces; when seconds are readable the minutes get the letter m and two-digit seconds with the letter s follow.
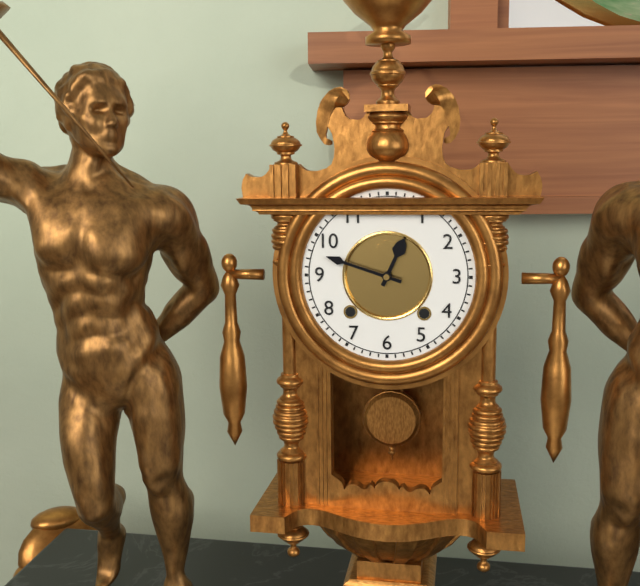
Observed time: 12h48
